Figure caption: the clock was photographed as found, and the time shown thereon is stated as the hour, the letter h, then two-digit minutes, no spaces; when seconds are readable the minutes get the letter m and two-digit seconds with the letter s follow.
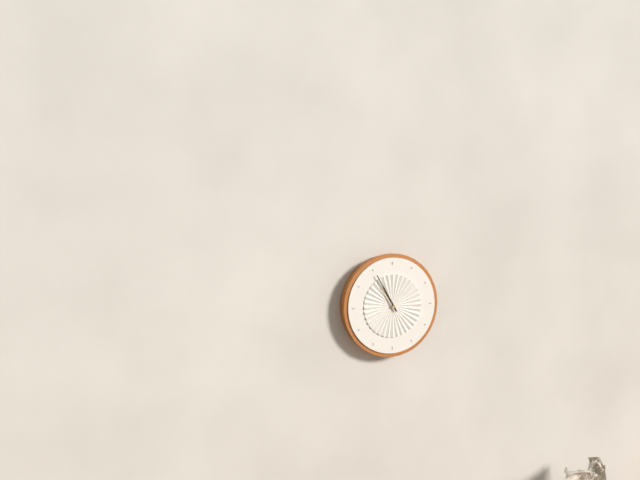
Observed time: 10h55
